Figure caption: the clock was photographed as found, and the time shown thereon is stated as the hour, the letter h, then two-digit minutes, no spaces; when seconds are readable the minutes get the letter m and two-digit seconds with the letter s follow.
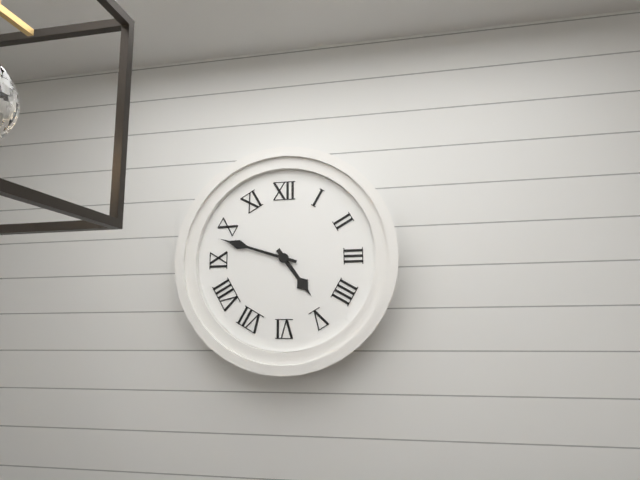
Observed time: 4h48
